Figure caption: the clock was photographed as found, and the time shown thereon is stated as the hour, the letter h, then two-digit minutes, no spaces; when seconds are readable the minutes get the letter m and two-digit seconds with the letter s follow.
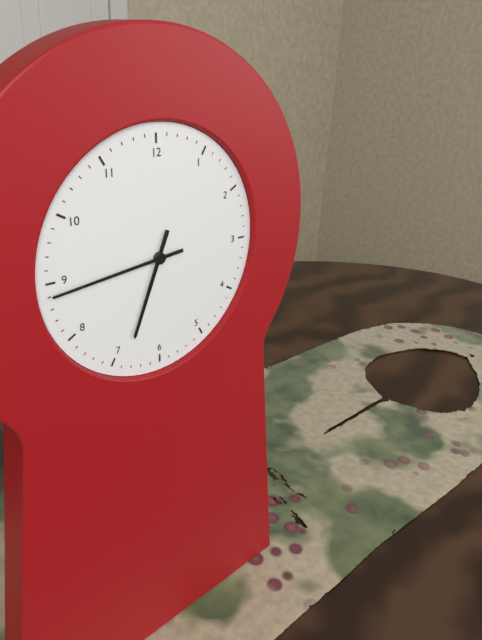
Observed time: 6h44
